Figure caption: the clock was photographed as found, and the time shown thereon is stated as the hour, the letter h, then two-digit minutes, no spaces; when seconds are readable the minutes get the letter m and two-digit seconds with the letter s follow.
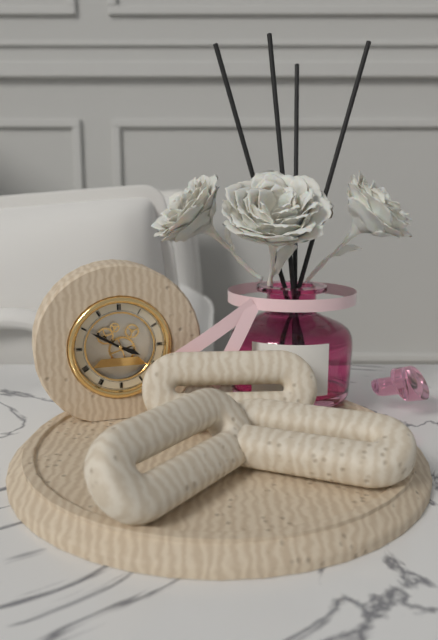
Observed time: 3h50
